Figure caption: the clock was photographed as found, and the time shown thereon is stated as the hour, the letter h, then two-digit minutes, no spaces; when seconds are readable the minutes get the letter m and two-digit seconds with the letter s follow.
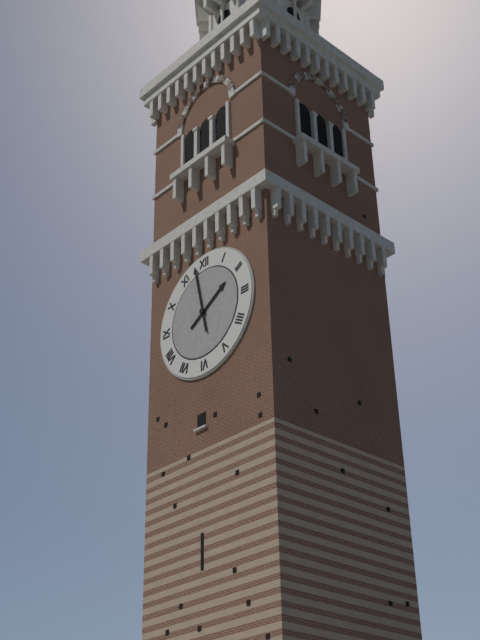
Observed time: 1h58
